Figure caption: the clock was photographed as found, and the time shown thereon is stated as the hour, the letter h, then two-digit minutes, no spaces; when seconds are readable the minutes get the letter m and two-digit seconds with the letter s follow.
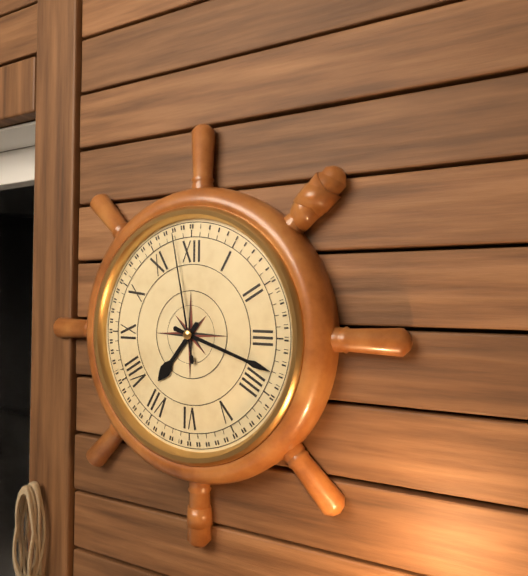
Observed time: 7h18m58s
